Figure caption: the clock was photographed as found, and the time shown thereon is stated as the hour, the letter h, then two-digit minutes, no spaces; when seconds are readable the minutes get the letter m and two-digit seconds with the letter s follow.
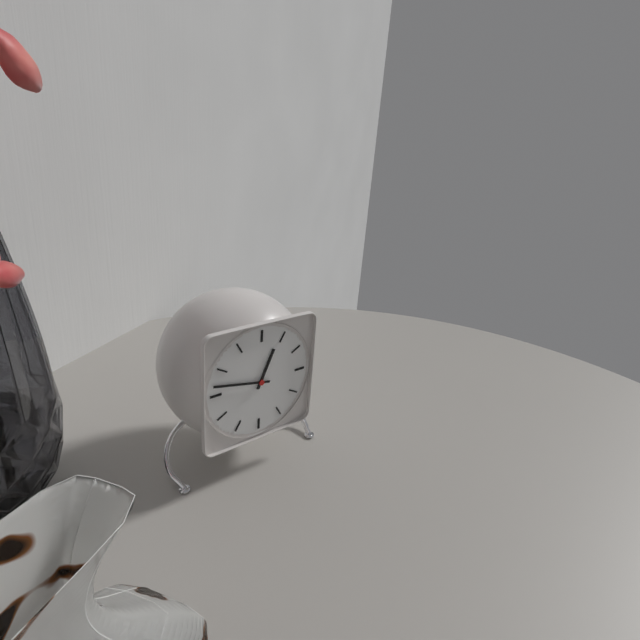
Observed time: 12h47
